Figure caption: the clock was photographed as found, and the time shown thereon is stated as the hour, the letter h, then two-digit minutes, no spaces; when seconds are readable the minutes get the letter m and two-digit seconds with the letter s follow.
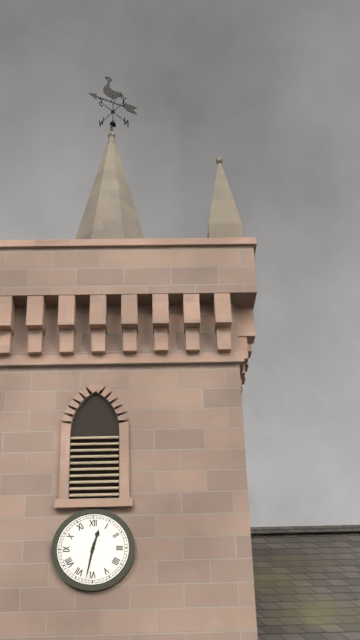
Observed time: 12h32
